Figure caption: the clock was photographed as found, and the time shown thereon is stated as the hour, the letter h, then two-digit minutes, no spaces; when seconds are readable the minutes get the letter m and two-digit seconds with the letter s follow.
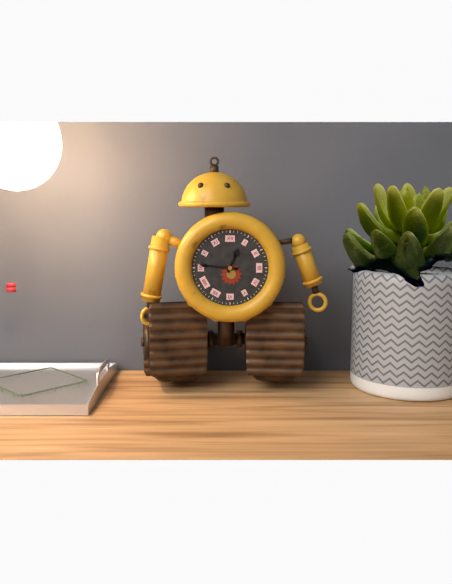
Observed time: 12h46
